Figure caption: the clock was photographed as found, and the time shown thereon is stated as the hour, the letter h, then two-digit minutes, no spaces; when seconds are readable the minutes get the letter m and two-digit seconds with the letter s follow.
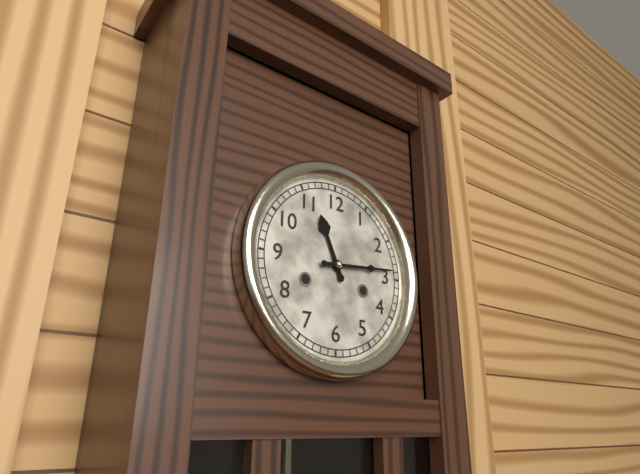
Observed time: 11h14
